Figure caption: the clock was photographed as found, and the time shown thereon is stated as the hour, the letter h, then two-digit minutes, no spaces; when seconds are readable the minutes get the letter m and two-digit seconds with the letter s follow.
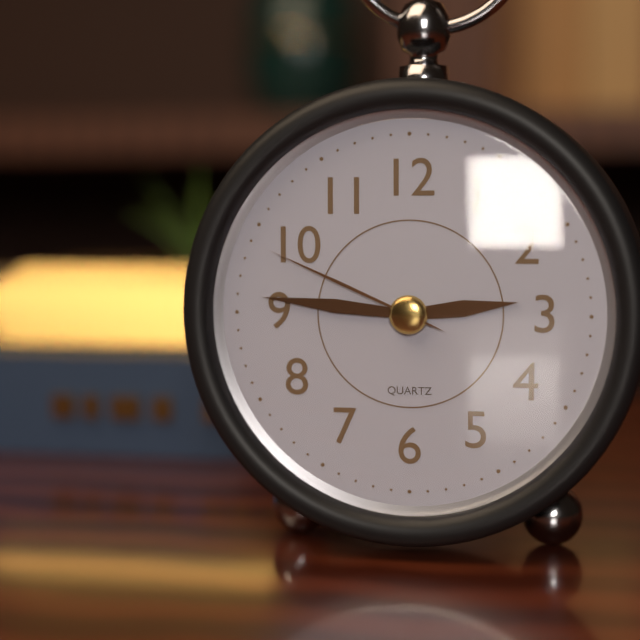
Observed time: 2h46m49s
